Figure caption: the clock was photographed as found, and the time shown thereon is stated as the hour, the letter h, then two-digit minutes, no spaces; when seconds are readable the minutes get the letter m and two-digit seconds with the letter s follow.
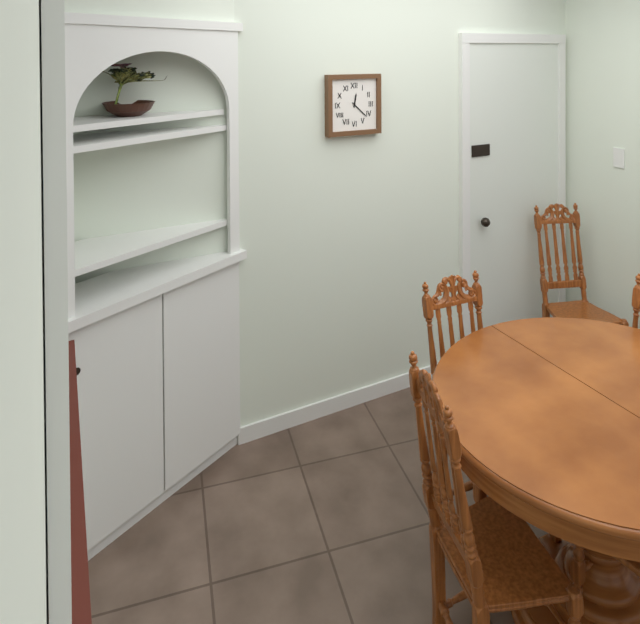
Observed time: 12h22
